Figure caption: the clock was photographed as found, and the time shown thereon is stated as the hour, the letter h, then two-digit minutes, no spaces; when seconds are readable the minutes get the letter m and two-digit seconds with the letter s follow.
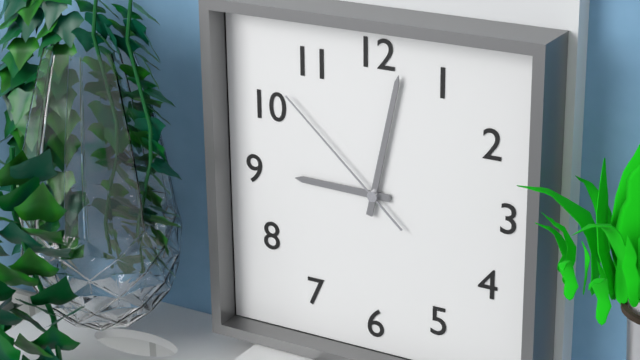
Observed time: 9h02m52s
